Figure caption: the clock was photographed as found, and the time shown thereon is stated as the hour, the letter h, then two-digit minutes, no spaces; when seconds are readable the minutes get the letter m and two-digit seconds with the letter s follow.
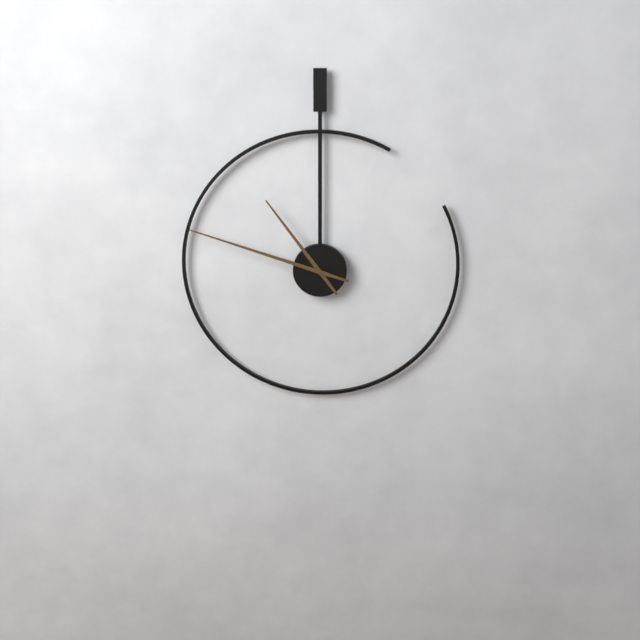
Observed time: 10h48
